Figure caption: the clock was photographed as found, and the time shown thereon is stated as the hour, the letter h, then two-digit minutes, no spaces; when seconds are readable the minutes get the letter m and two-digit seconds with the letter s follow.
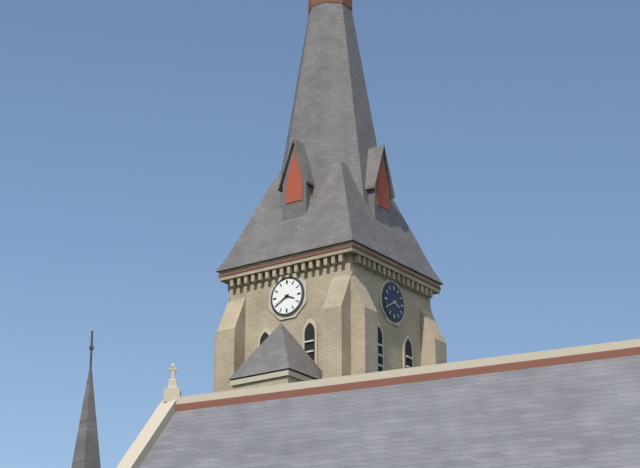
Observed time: 3h40
